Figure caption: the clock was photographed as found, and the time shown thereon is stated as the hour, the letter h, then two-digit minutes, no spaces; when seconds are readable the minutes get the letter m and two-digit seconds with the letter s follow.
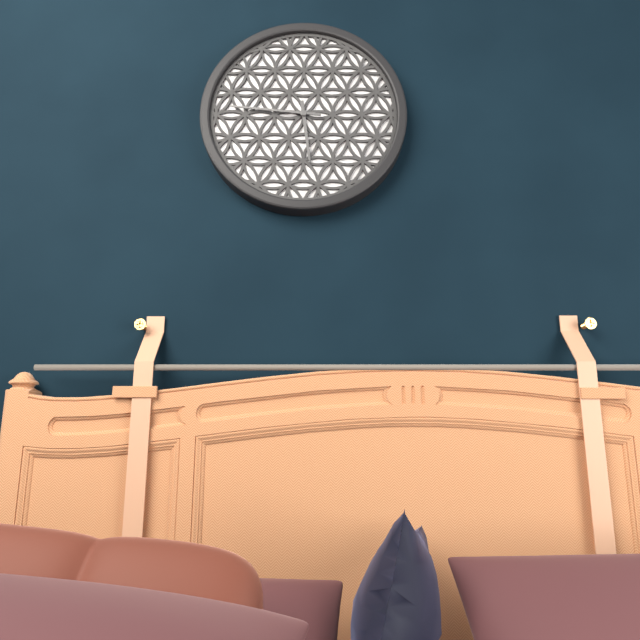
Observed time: 5h46
